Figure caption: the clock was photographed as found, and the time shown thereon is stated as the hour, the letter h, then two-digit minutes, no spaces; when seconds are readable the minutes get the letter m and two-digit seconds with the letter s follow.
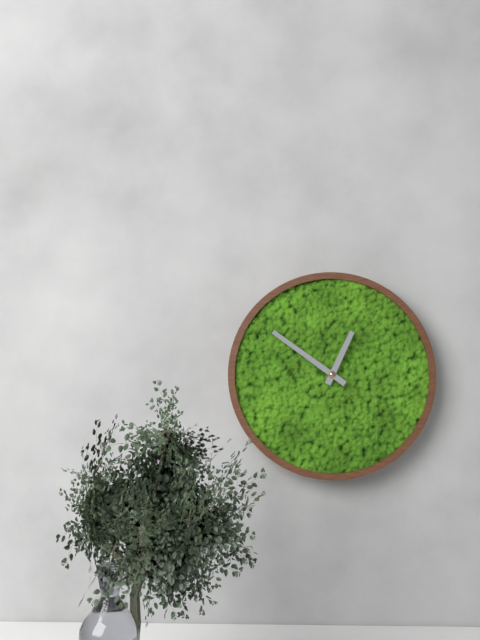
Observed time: 12h51
